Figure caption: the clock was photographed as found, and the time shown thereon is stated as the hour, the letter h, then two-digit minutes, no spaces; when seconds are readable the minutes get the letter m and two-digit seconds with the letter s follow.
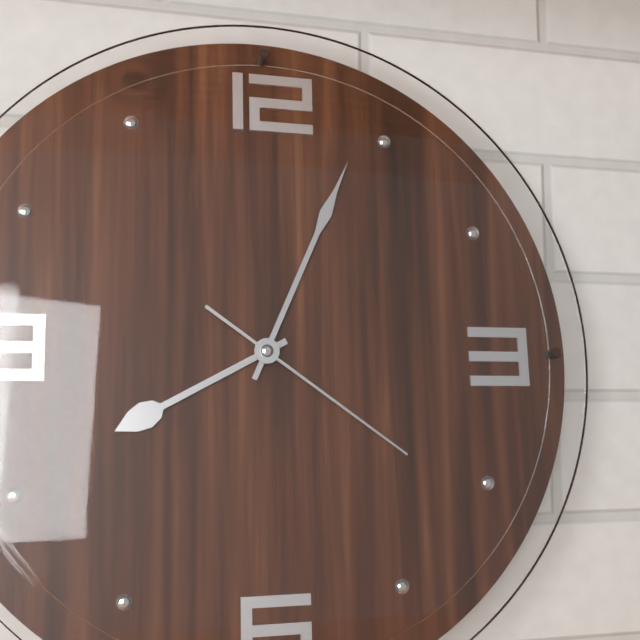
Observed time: 8h04m21s
